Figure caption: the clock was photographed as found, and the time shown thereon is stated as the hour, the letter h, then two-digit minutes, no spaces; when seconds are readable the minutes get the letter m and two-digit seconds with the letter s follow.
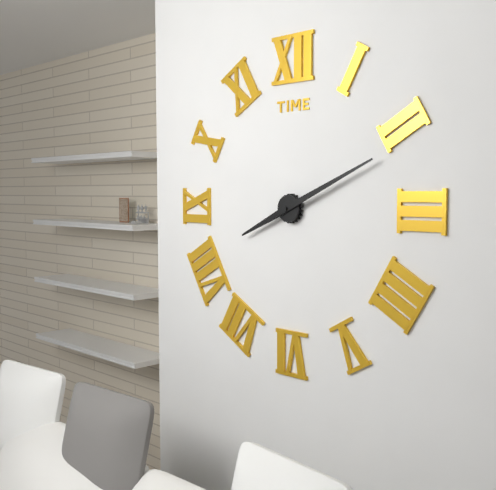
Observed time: 8h11
